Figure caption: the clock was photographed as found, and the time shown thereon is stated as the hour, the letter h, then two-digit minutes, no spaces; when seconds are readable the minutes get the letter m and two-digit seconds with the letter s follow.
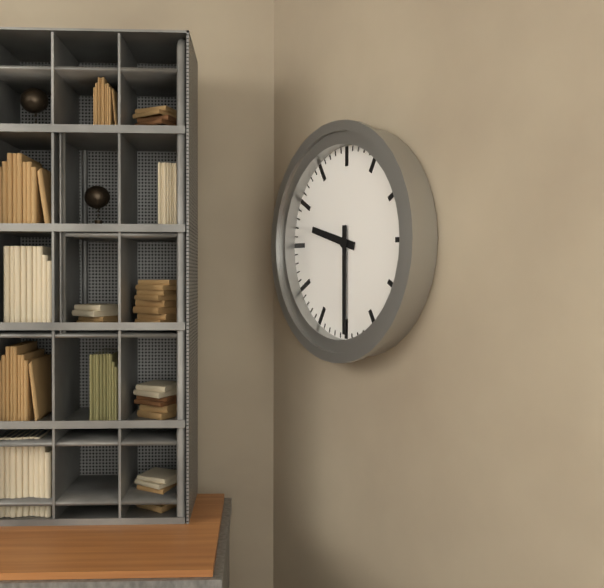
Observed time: 9h30
